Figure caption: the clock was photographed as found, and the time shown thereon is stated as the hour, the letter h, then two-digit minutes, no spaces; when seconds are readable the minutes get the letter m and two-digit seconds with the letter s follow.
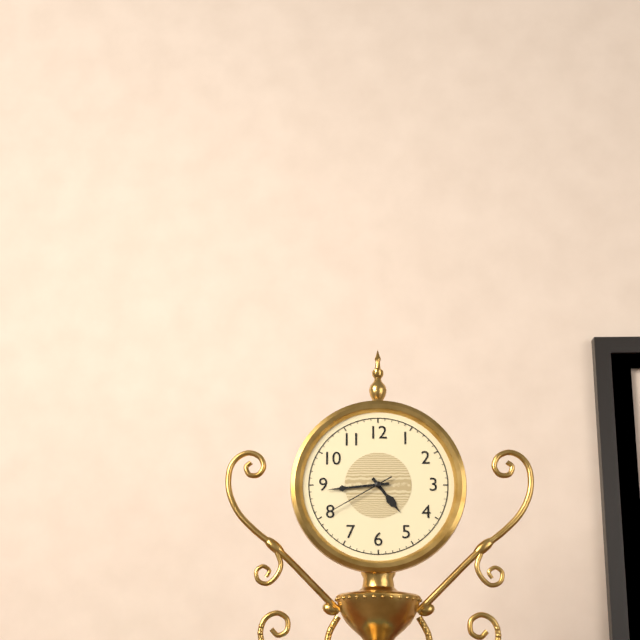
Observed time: 4h44m40s
